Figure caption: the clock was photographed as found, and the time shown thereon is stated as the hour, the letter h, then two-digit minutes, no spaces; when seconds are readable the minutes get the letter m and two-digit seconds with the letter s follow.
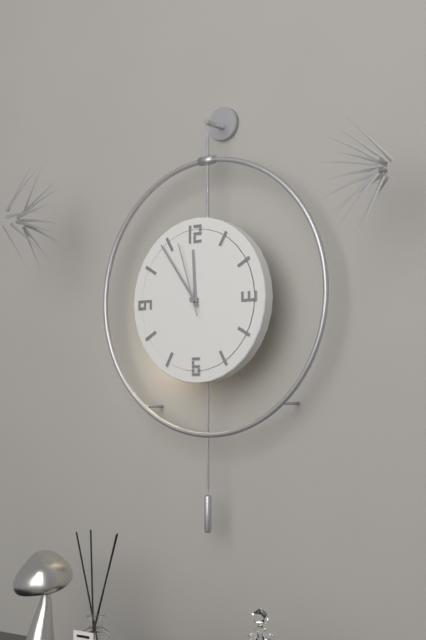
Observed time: 11h54m57s
